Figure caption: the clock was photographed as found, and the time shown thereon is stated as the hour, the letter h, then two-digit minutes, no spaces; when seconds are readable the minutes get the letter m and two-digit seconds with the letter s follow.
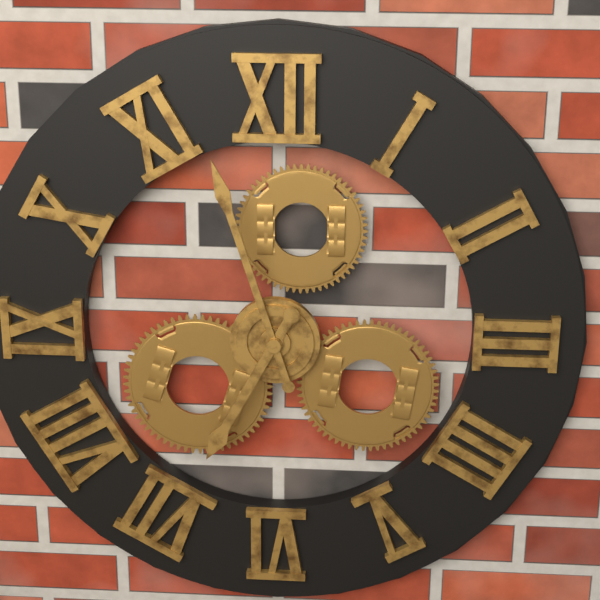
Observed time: 6h57
